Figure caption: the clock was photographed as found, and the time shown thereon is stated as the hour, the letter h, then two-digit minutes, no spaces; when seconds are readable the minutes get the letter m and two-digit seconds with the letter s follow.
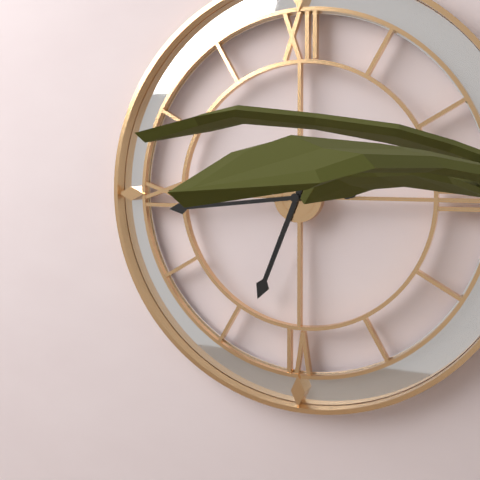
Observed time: 6h44
